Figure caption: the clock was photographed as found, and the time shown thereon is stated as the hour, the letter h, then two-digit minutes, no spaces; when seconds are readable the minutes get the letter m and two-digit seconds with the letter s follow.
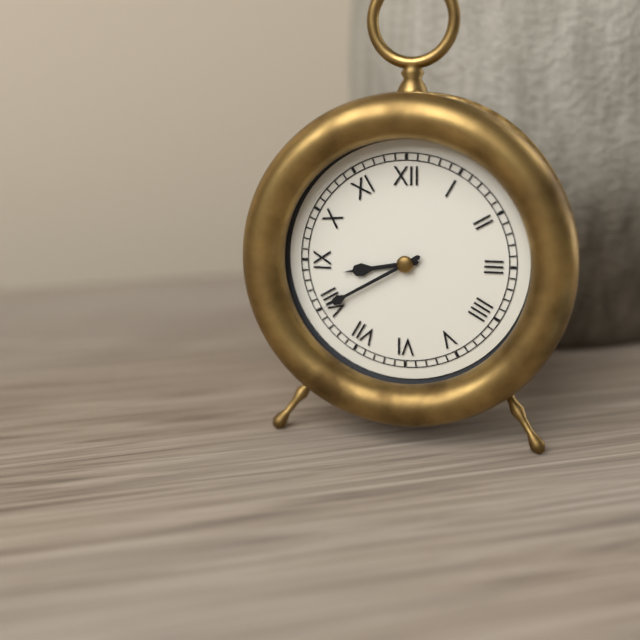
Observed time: 8h40
